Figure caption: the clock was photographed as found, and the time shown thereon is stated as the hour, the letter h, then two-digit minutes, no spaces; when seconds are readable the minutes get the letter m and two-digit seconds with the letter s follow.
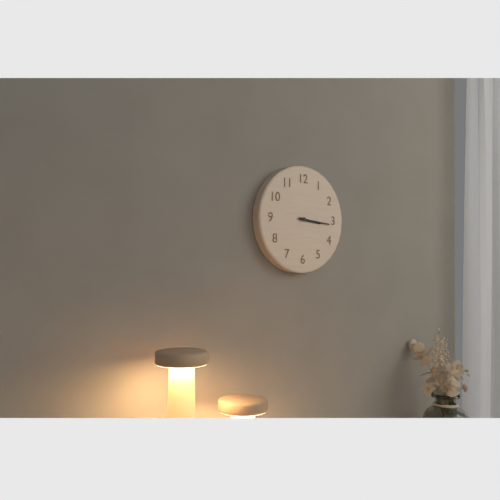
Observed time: 3h16
